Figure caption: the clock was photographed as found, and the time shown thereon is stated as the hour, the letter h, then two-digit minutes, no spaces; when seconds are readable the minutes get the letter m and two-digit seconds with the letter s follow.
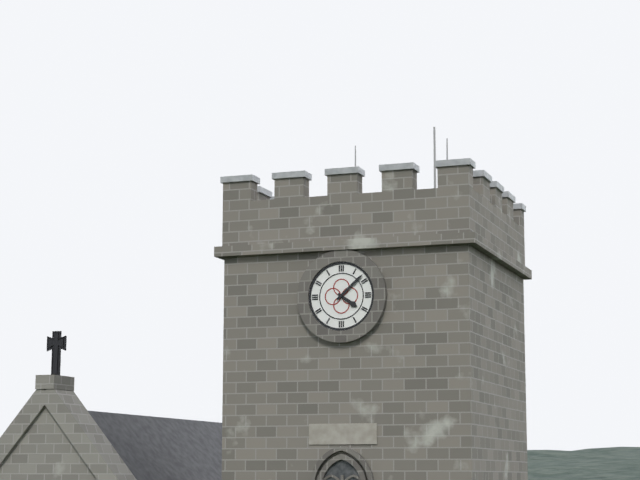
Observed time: 4h08
